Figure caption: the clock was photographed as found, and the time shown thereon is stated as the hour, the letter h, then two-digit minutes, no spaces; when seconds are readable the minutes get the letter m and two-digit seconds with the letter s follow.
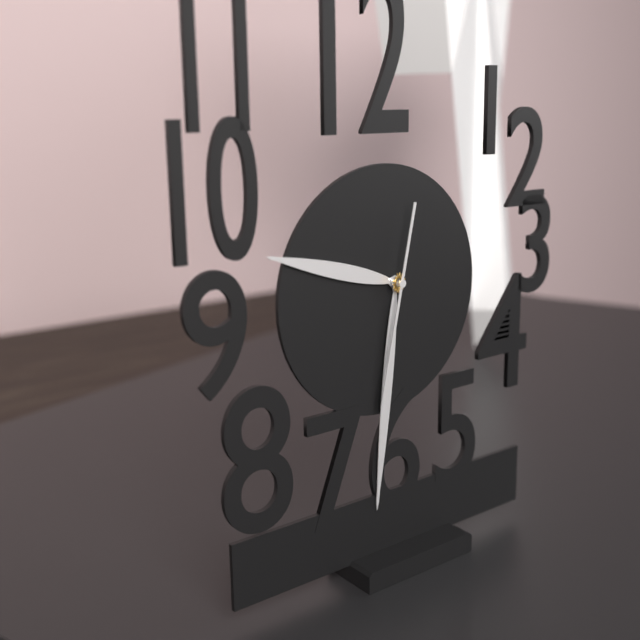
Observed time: 9h31m32s
